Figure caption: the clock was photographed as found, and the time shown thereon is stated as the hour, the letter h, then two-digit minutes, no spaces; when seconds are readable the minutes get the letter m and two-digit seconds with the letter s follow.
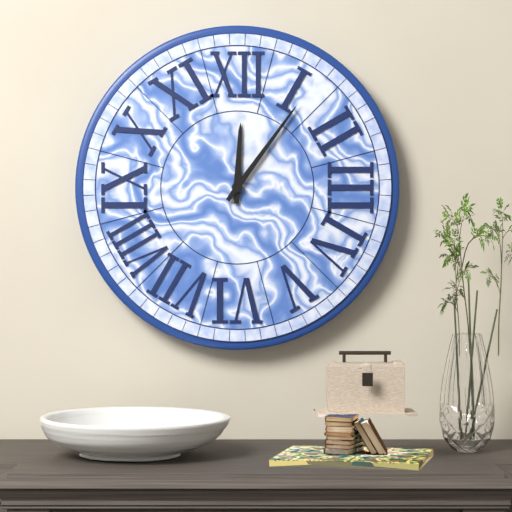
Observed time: 12h06
